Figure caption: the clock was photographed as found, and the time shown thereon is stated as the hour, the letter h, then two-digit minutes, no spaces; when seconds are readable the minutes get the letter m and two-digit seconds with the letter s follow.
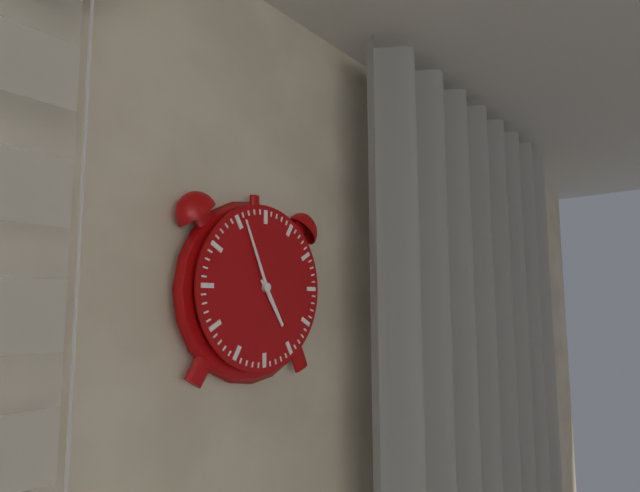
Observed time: 4h56
